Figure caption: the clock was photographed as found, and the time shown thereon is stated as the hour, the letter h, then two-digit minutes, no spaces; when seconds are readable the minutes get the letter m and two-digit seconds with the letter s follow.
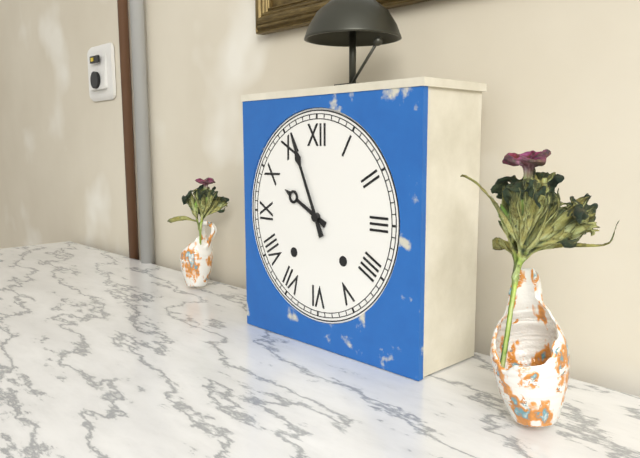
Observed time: 9h56
